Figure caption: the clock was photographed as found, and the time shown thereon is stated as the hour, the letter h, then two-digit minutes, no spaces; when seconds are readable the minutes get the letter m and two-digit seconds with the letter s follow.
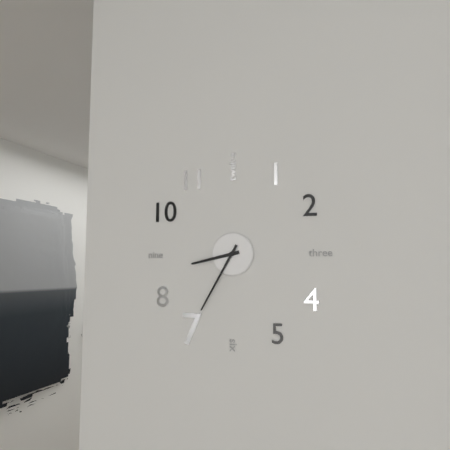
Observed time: 8h35
